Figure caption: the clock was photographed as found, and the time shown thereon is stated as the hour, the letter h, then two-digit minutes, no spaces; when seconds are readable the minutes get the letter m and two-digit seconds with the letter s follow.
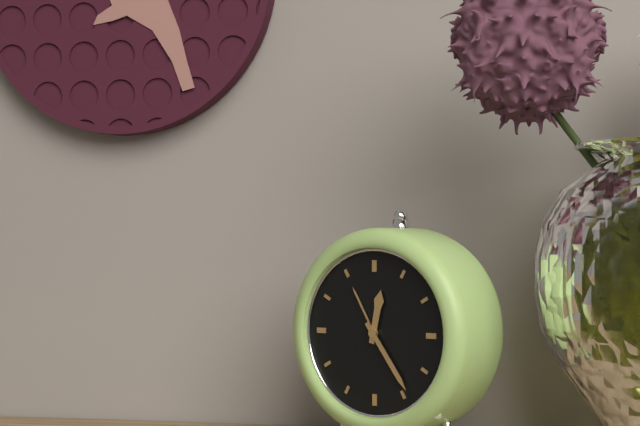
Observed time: 12h24
